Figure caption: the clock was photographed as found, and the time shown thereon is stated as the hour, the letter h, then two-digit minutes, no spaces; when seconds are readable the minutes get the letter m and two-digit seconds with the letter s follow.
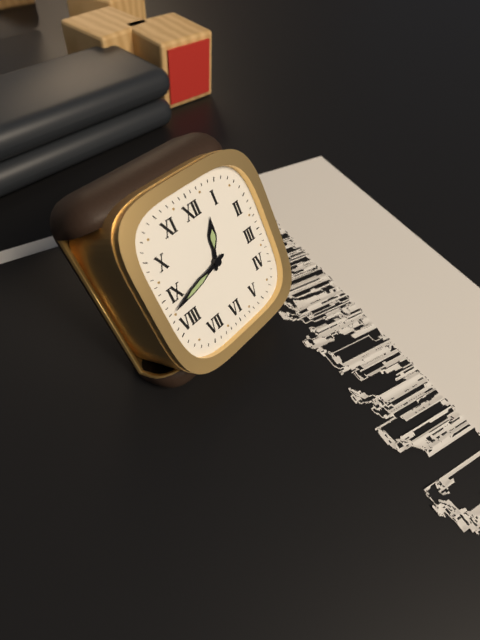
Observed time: 12h43
